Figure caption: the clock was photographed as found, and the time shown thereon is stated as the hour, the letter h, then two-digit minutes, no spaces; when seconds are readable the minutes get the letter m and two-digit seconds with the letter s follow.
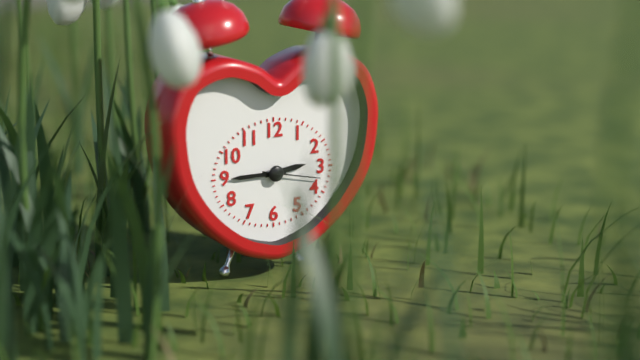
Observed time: 2h45m17s
